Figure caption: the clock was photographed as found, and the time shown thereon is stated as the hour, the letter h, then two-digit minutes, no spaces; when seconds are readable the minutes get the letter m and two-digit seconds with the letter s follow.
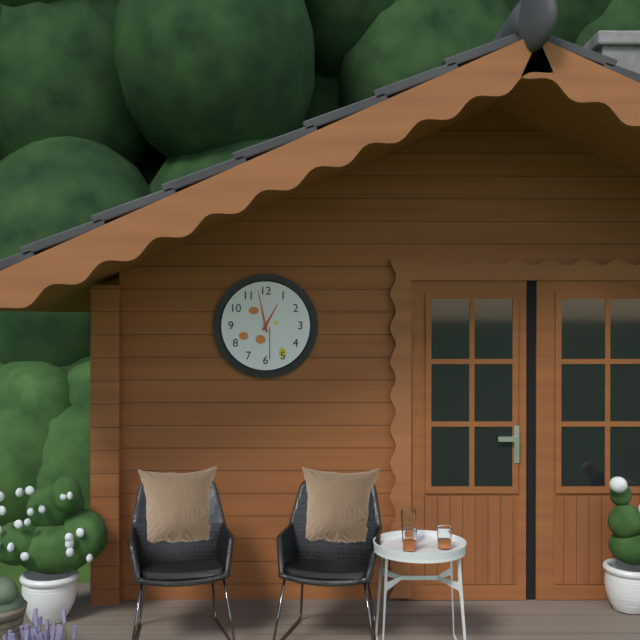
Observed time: 12h58
